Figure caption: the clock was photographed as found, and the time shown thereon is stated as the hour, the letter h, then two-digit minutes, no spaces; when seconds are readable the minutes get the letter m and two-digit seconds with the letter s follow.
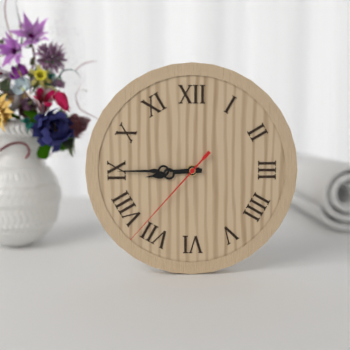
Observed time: 8h45m37s
